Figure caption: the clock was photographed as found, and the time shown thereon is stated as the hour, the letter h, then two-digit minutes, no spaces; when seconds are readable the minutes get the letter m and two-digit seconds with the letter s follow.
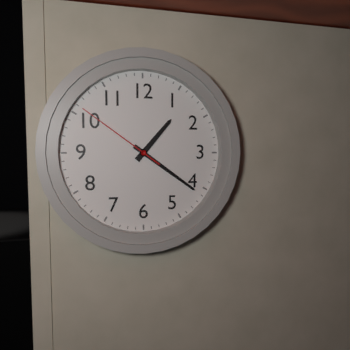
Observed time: 1h21m51s
